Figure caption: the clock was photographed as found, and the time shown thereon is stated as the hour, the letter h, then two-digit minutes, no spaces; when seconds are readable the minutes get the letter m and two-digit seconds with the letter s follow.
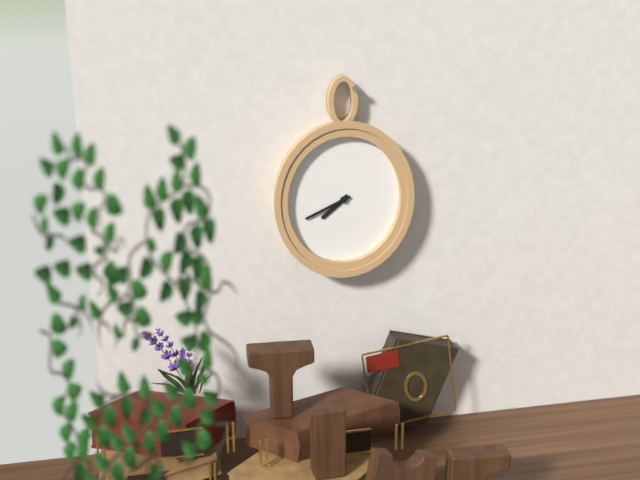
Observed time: 7h41
